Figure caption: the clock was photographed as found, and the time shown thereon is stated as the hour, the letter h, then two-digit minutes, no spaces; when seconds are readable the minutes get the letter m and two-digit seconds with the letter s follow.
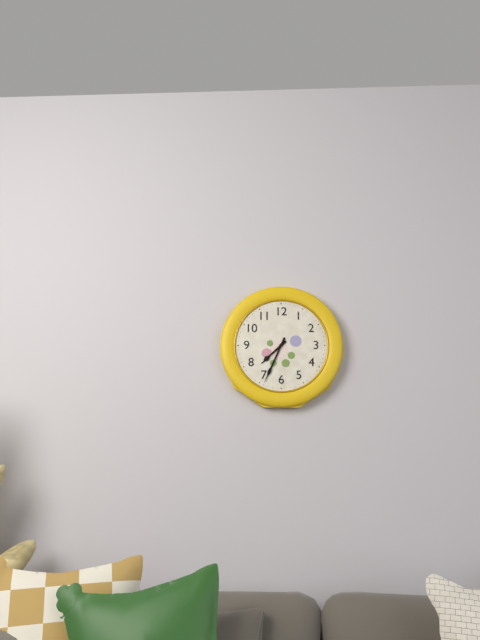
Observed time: 7h34
